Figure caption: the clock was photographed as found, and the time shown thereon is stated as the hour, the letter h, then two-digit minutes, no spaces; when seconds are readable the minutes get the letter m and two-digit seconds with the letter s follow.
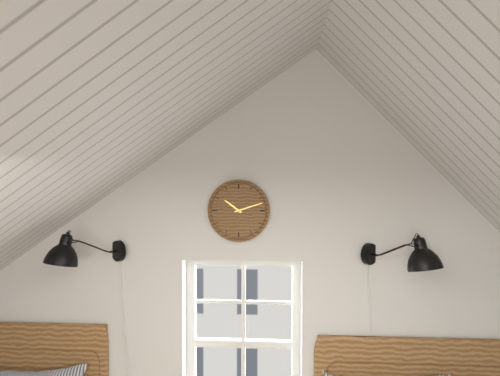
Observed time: 10h12
